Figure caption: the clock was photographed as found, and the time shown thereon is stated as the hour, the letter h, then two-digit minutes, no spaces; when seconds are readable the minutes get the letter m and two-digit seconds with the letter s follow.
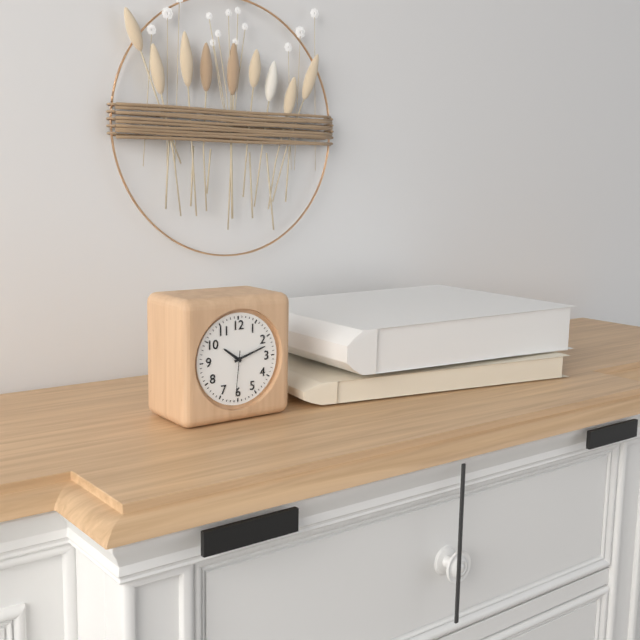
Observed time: 10h12
